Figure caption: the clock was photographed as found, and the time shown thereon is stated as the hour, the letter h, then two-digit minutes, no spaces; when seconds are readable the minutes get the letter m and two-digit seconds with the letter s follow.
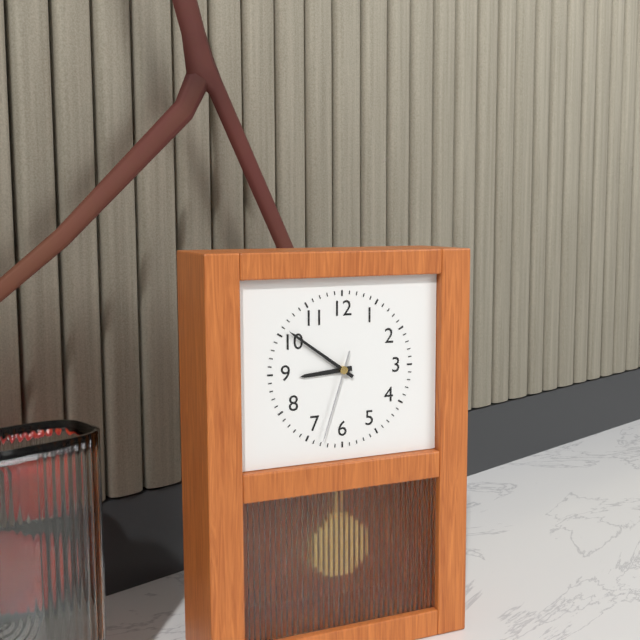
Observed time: 8h51m33s
